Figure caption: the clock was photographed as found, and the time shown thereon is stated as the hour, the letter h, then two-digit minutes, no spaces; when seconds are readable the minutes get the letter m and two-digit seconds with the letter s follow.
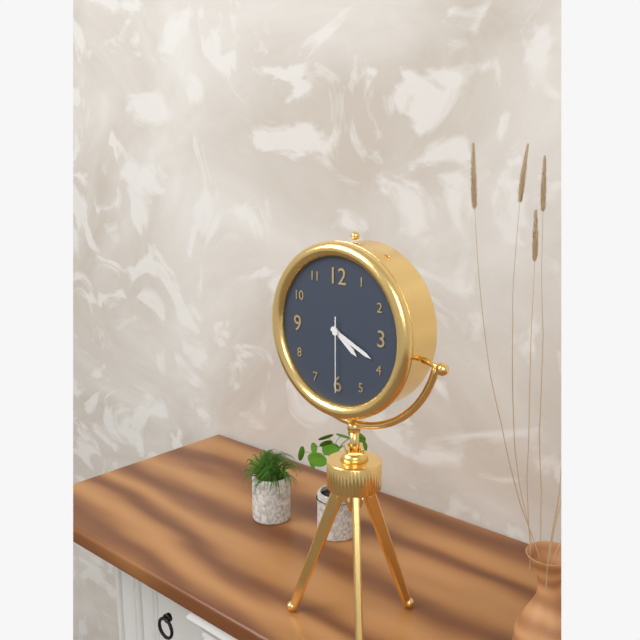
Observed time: 4h19m30s
